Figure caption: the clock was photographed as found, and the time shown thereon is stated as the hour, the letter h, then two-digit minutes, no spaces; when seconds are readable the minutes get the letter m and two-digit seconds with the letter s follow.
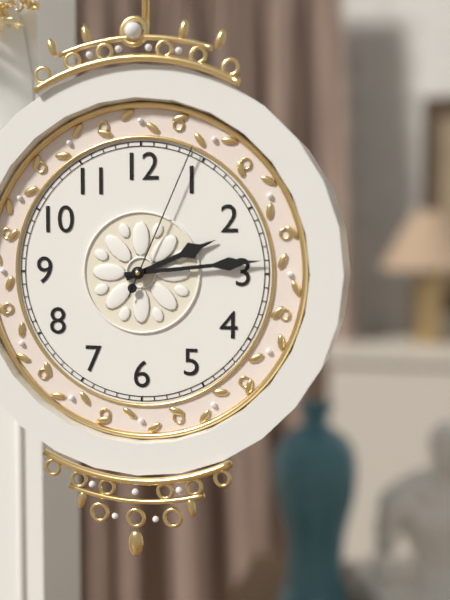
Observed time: 2h14m04s
